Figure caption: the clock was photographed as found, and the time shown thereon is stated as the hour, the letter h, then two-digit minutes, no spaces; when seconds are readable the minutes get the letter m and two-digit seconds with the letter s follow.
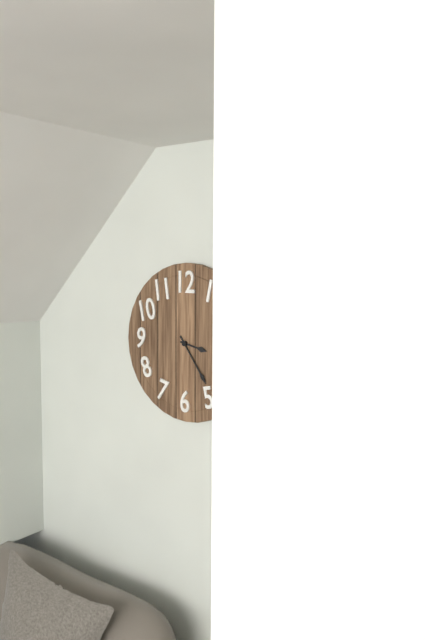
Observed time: 3h24
